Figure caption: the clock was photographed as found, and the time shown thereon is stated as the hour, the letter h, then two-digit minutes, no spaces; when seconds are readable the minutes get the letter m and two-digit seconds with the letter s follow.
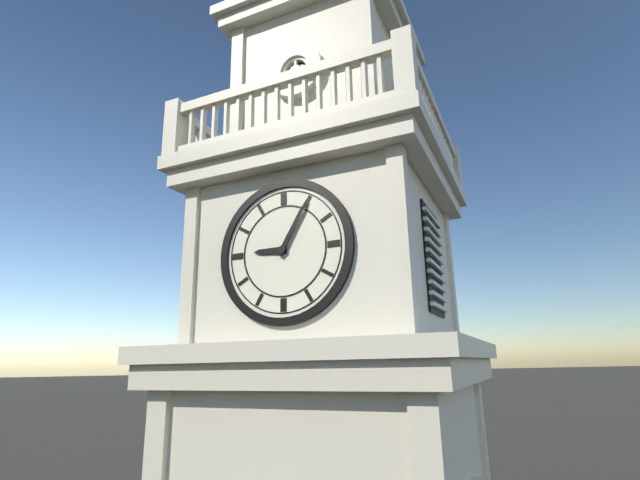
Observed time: 9h05
